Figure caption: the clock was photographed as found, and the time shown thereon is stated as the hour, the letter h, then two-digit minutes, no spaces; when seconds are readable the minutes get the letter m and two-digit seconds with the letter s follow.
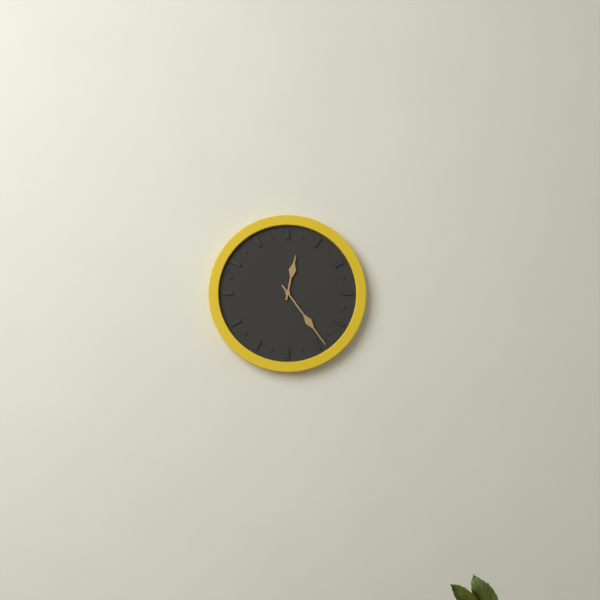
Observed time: 12h24
